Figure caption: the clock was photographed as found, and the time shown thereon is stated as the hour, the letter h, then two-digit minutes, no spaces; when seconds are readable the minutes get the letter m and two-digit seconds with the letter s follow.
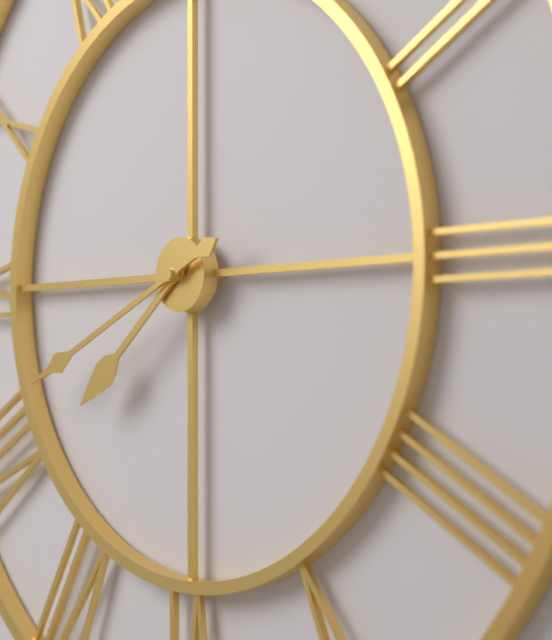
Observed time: 7h41
